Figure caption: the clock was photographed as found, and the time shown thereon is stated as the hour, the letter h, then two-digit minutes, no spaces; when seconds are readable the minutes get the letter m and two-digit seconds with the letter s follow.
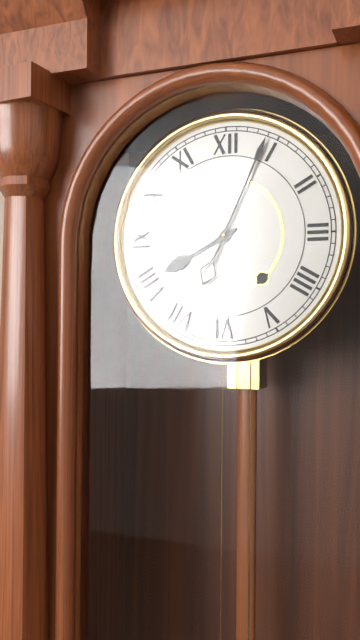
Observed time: 8h04
